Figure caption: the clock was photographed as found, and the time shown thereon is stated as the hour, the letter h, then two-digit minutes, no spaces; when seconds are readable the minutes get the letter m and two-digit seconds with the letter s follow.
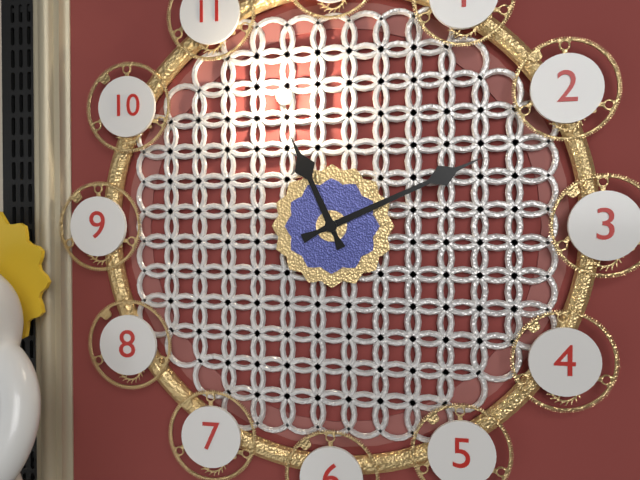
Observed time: 11h11
